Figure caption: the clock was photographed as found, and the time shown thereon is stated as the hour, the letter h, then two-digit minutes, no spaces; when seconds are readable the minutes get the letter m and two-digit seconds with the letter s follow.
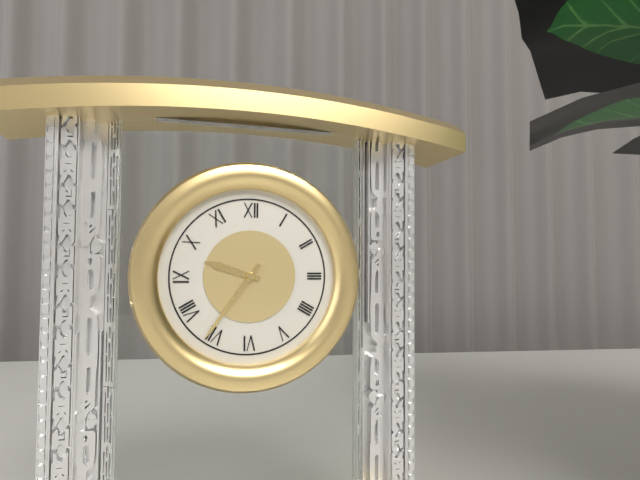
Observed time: 9h36
